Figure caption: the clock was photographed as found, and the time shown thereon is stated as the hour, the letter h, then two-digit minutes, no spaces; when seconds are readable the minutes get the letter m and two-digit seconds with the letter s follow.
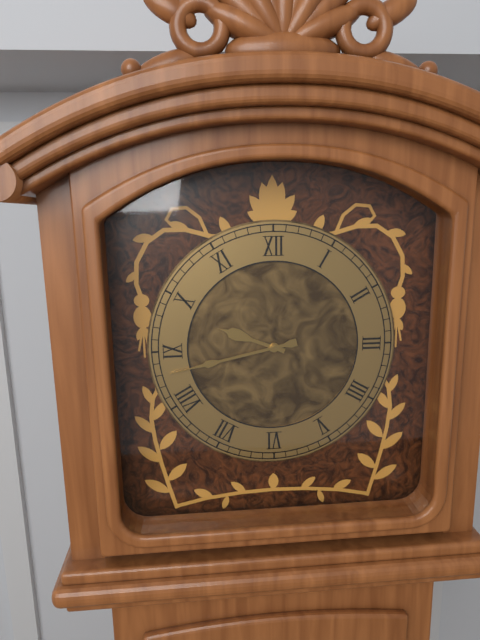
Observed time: 9h43
